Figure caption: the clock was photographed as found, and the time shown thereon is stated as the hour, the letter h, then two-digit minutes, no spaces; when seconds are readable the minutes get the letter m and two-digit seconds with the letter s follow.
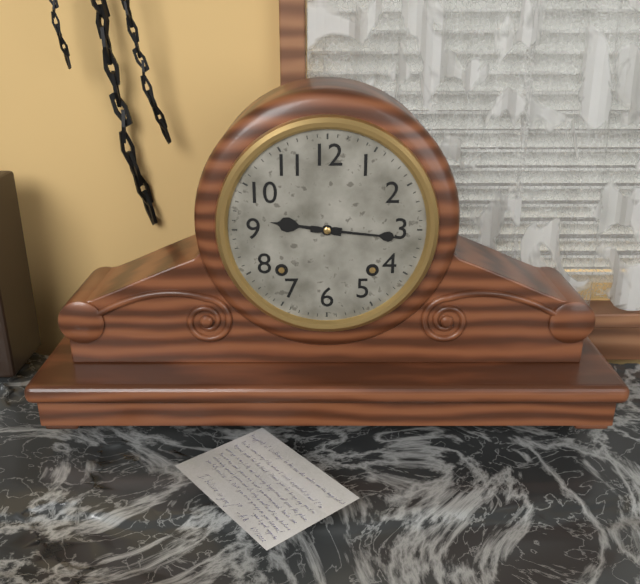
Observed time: 9h16
